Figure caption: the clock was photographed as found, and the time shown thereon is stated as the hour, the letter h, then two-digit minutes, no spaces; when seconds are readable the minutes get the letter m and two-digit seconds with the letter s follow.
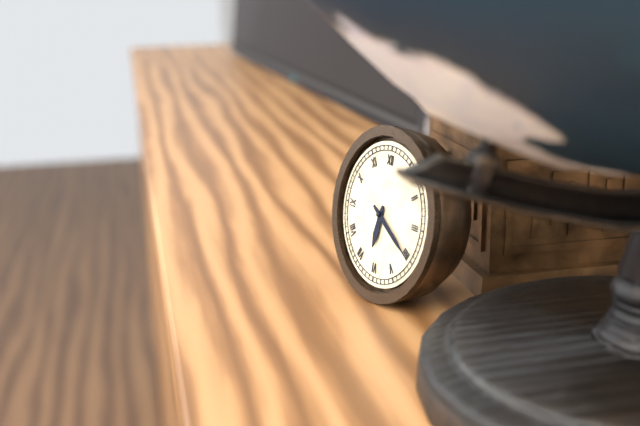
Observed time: 6h20
